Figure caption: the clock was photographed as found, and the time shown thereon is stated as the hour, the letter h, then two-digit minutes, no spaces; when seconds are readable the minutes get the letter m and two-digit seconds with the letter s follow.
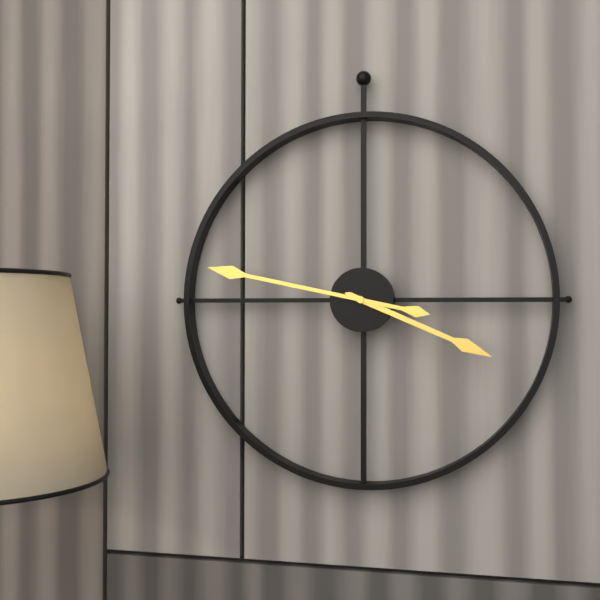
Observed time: 3h47
